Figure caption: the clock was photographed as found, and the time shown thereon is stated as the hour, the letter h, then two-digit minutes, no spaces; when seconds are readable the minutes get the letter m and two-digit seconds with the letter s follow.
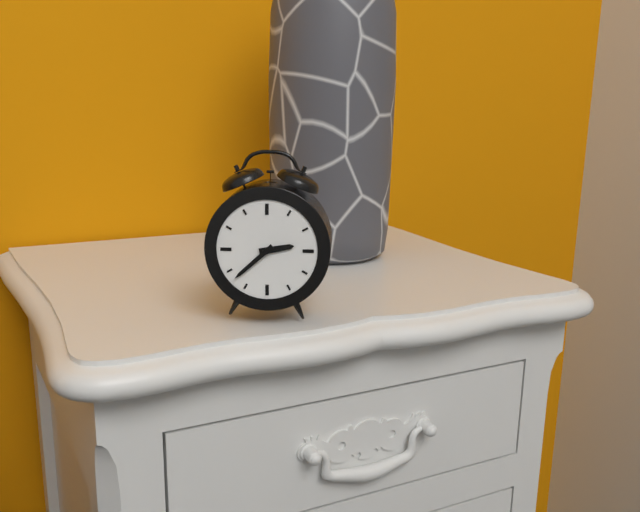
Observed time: 2h38
